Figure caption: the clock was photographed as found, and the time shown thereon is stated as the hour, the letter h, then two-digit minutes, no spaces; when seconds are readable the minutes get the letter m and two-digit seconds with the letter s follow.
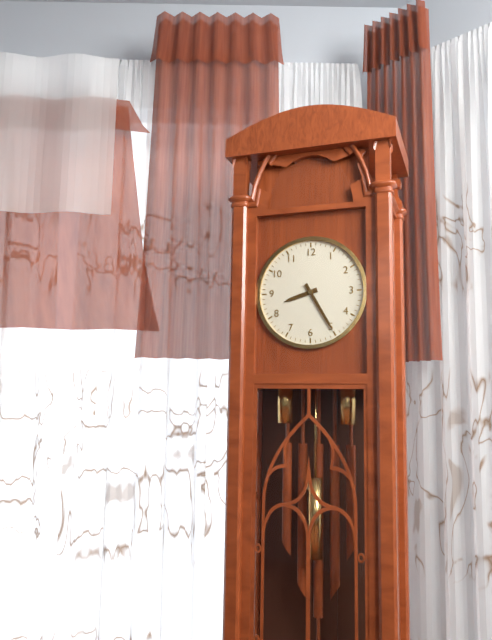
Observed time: 8h25
